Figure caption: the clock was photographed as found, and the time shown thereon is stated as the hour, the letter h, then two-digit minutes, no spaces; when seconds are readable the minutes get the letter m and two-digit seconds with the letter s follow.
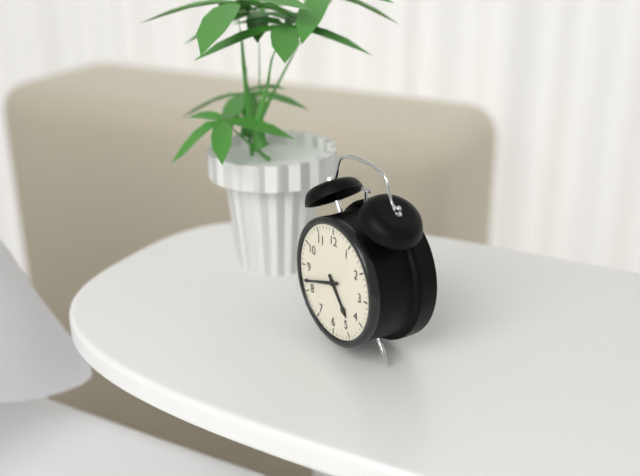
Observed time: 4h42
